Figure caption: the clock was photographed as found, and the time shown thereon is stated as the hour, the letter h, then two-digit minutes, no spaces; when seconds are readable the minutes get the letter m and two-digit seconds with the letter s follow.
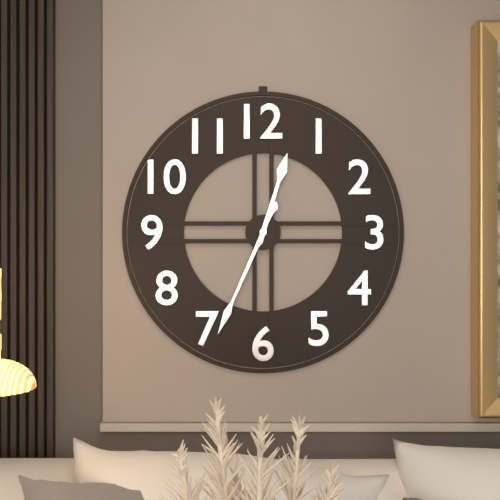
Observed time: 12h34
